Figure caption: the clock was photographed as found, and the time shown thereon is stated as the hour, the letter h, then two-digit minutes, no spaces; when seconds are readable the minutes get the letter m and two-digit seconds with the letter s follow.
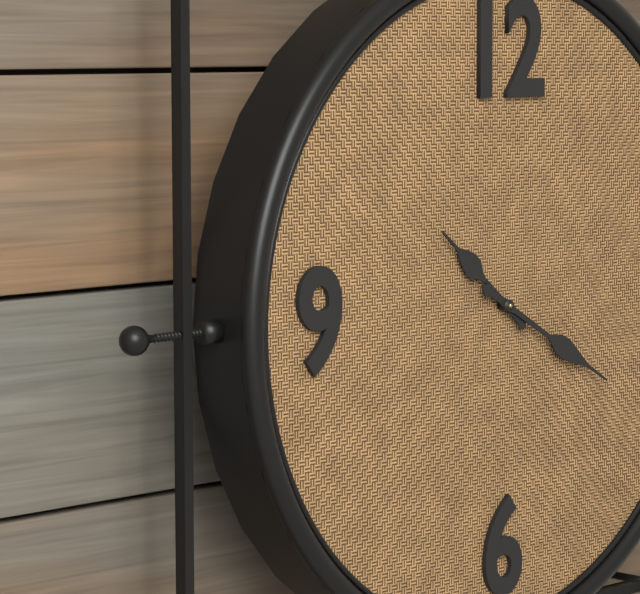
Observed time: 10h20
